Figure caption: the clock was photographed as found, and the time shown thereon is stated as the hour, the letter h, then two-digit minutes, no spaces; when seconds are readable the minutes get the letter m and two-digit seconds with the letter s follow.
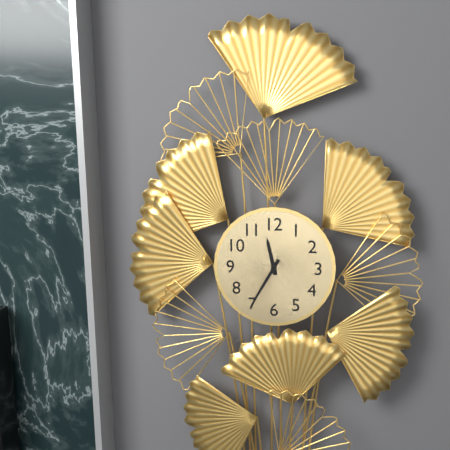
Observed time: 11h35
